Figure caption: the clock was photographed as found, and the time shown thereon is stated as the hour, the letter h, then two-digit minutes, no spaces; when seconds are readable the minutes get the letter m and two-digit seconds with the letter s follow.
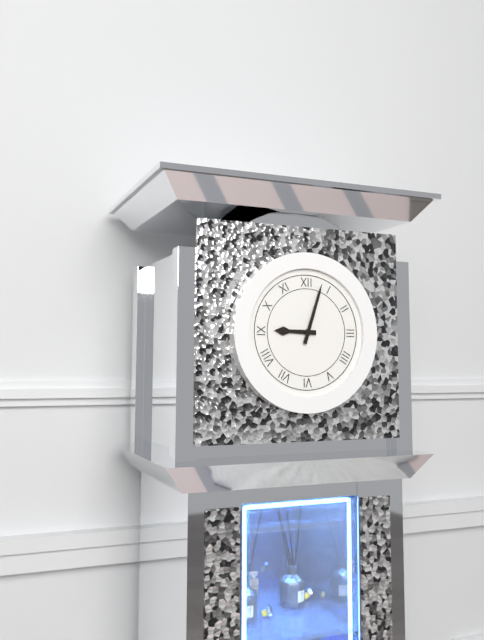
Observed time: 9h03
